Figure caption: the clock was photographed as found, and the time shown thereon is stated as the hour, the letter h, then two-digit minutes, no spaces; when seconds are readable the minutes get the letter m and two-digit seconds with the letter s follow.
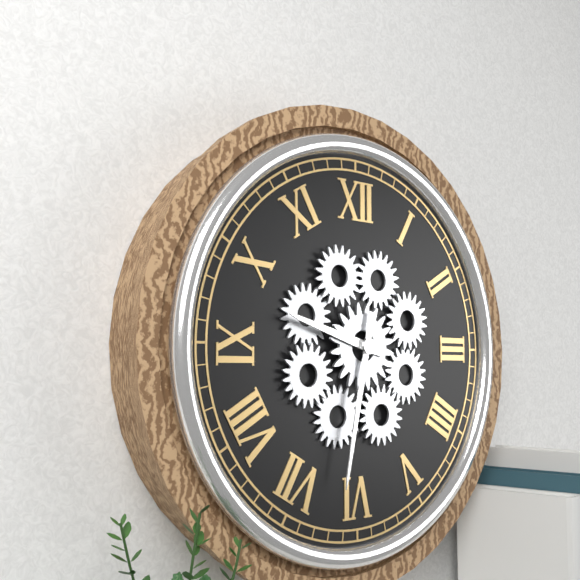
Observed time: 9h32
